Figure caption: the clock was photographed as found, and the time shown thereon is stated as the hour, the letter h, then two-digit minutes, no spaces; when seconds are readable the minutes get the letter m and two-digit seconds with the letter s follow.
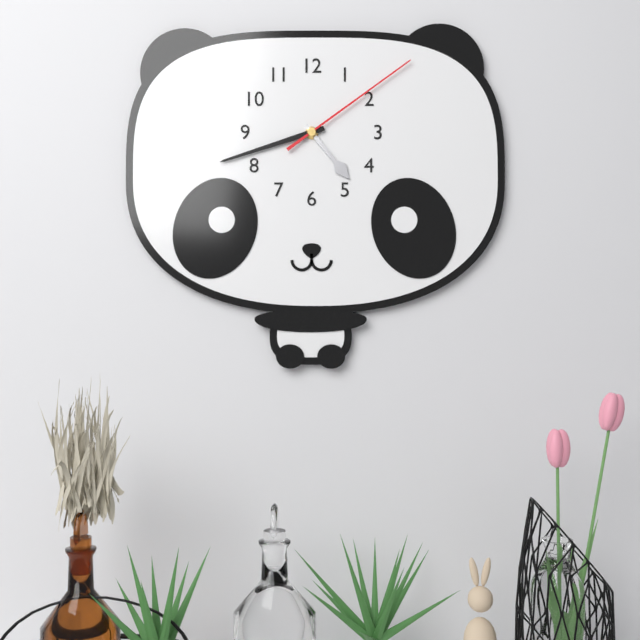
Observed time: 4h42m09s
